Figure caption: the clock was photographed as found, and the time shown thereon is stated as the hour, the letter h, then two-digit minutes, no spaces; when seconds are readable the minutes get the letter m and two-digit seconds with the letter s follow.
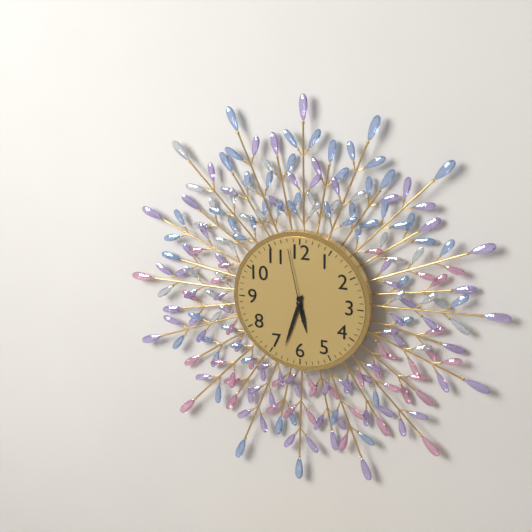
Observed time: 5h33m58s
